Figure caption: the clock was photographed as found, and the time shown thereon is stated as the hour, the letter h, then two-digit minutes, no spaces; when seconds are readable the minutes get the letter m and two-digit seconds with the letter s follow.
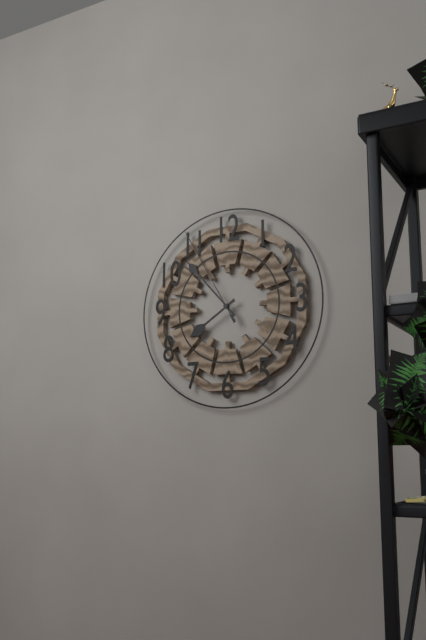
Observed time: 7h53m55s
